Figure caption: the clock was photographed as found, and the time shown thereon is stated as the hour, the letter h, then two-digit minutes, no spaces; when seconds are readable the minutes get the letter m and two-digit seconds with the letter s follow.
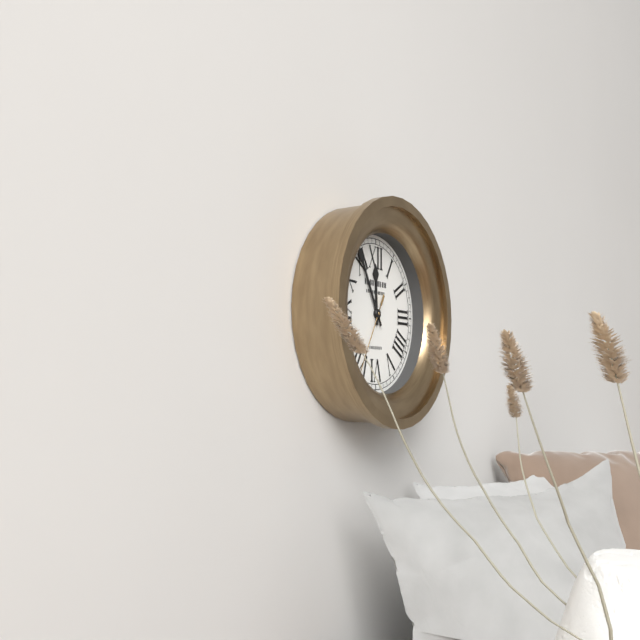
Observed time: 11h55m35s
